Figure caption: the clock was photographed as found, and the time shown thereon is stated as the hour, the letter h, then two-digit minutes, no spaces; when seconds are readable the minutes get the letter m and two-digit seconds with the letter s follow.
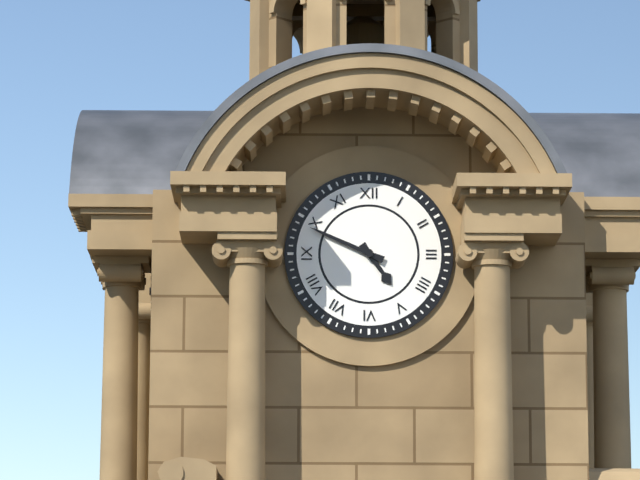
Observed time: 4h49
